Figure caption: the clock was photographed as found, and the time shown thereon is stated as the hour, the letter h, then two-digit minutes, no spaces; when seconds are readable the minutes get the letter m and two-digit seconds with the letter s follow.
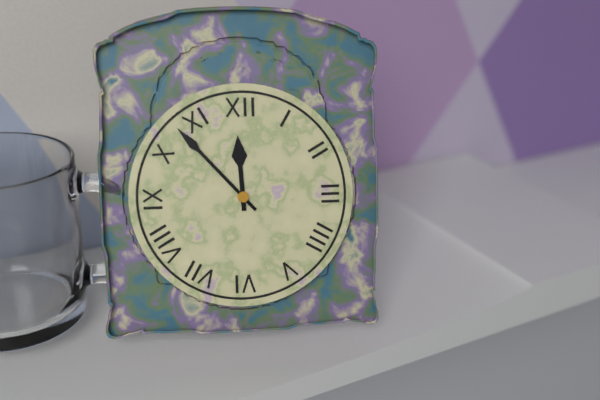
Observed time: 11h53
